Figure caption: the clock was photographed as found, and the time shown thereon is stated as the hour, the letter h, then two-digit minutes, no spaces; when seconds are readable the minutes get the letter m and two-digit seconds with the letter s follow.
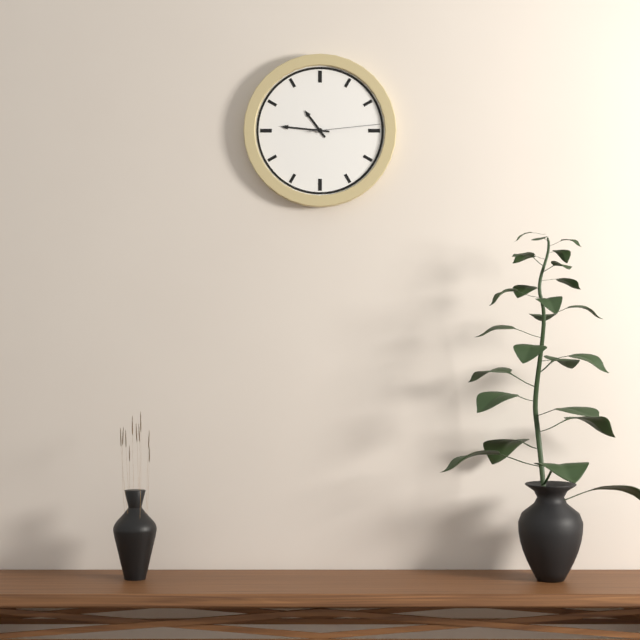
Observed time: 10h46m14s
